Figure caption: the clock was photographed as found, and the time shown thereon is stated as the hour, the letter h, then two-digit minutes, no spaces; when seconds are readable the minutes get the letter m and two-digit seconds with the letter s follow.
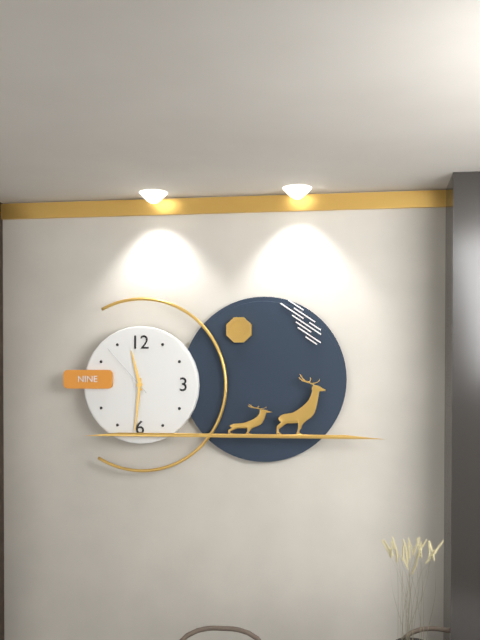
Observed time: 11h31m53s
